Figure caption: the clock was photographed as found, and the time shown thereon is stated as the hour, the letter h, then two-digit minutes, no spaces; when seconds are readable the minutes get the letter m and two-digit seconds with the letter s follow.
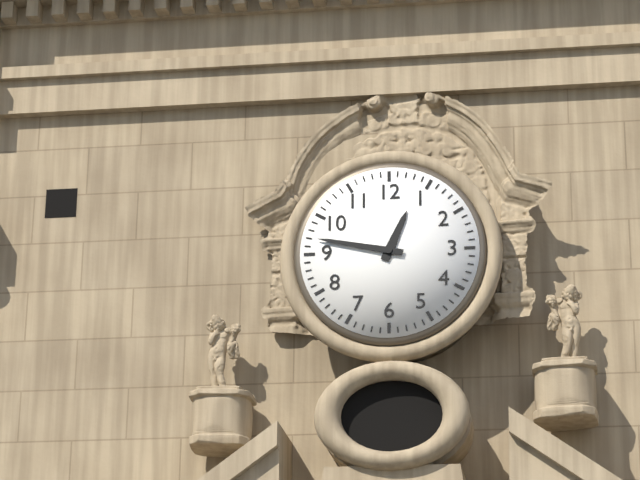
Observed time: 12h47
